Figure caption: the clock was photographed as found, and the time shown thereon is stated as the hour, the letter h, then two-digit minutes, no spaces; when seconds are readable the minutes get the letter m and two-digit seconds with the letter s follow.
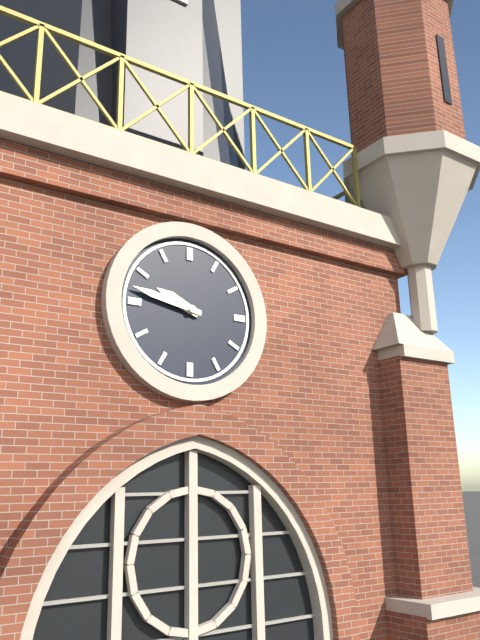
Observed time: 9h47
